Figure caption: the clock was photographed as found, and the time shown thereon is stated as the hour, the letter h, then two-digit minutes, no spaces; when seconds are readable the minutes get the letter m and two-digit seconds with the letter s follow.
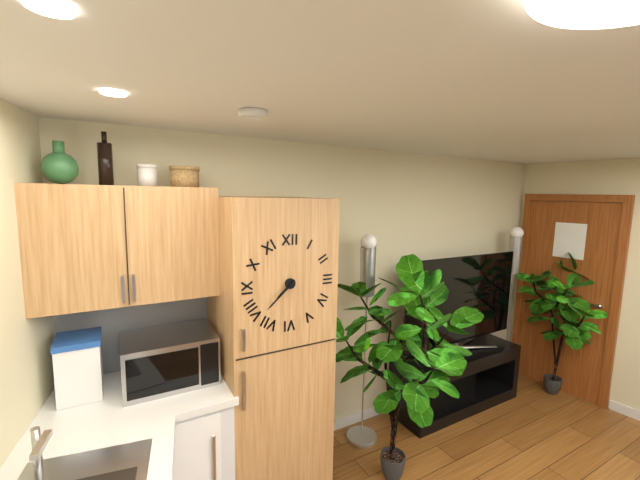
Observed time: 7h38
